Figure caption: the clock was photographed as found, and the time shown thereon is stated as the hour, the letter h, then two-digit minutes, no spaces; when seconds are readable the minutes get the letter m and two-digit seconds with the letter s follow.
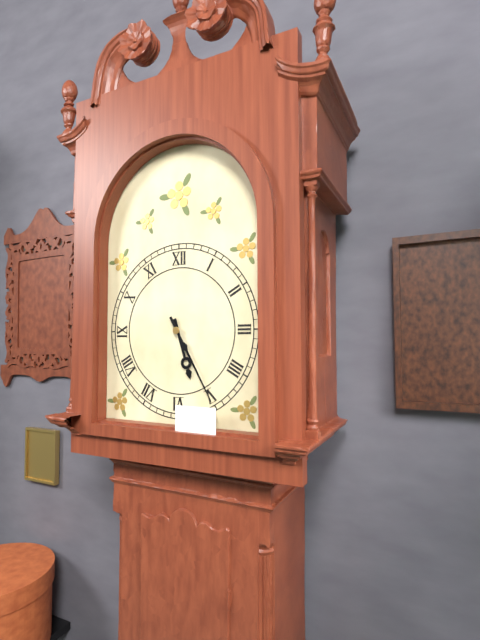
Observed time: 5h25
